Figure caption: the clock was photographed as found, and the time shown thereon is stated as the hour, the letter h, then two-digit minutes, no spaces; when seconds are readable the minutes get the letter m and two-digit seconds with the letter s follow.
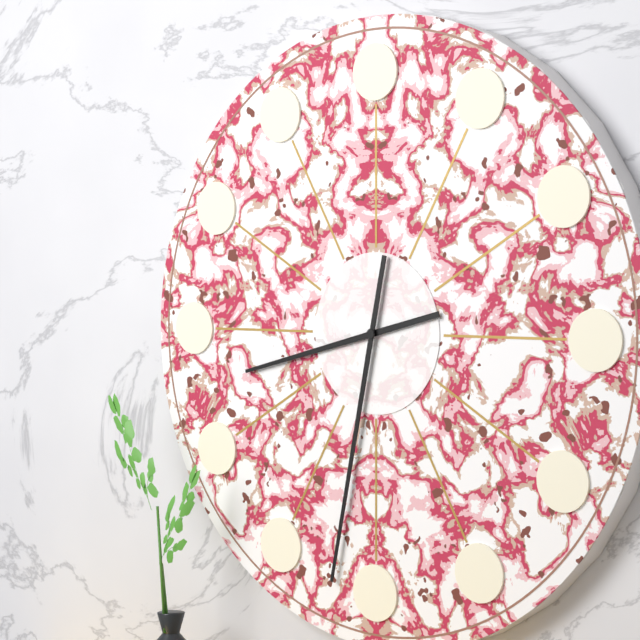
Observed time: 8h32
